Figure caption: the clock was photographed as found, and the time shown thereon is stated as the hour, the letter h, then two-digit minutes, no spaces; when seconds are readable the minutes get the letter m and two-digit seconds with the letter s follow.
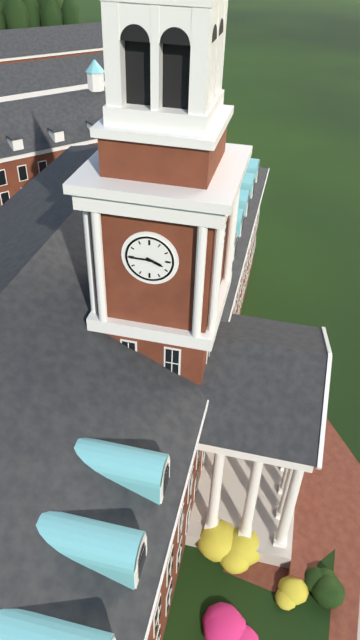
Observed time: 3h45
